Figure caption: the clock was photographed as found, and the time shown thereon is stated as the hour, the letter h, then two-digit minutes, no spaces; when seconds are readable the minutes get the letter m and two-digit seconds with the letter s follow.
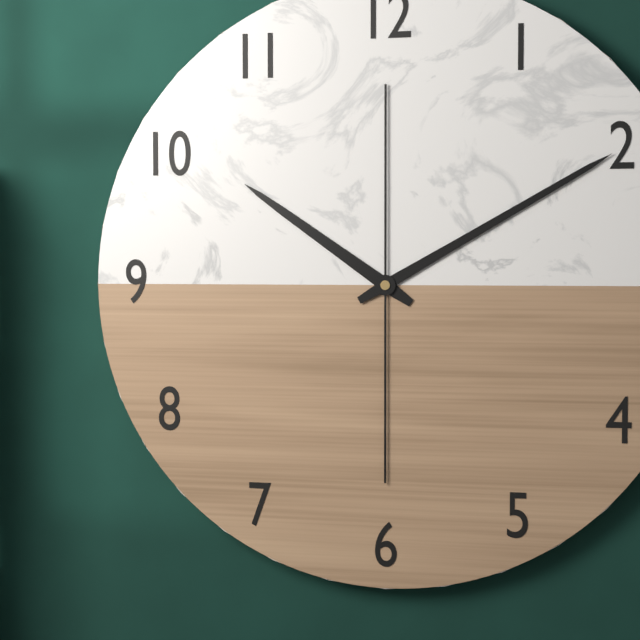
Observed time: 10h10
